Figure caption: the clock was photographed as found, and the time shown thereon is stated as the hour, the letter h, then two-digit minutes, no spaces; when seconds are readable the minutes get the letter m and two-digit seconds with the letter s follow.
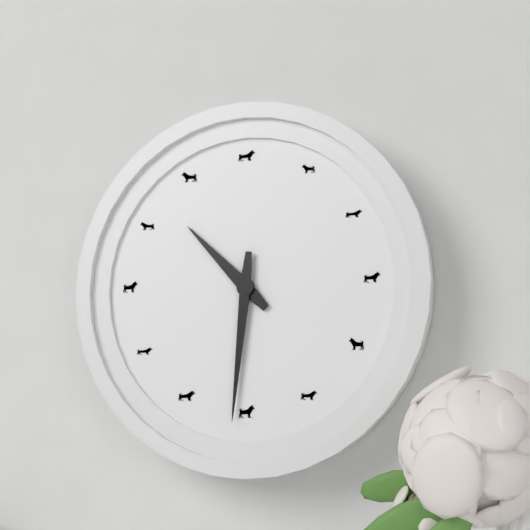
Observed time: 10h31
